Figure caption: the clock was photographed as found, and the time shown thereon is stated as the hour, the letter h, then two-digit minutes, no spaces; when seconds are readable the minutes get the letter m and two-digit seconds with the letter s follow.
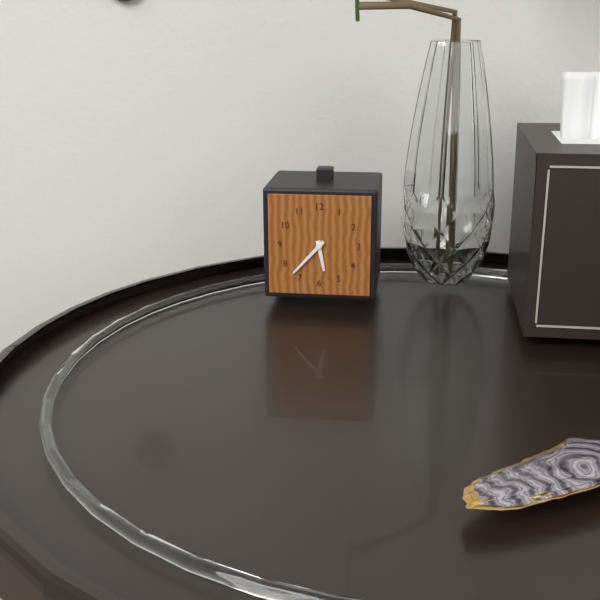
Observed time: 5h37
